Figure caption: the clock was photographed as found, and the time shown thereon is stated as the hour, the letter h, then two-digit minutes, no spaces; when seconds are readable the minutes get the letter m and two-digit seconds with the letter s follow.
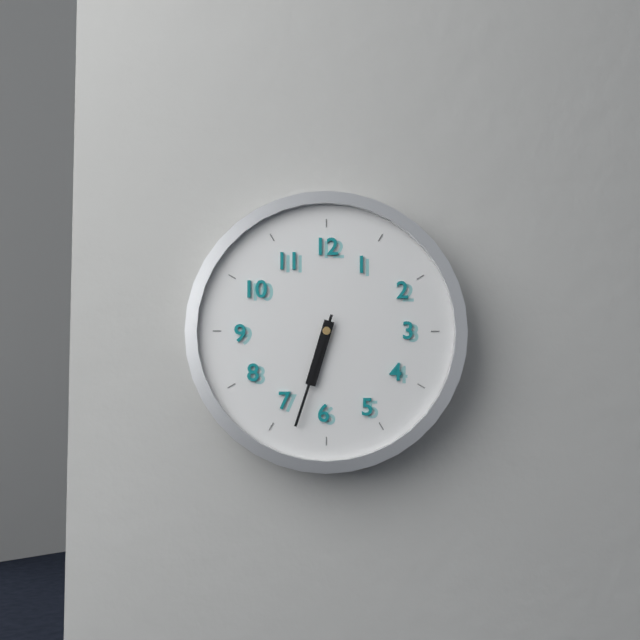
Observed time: 6h33
